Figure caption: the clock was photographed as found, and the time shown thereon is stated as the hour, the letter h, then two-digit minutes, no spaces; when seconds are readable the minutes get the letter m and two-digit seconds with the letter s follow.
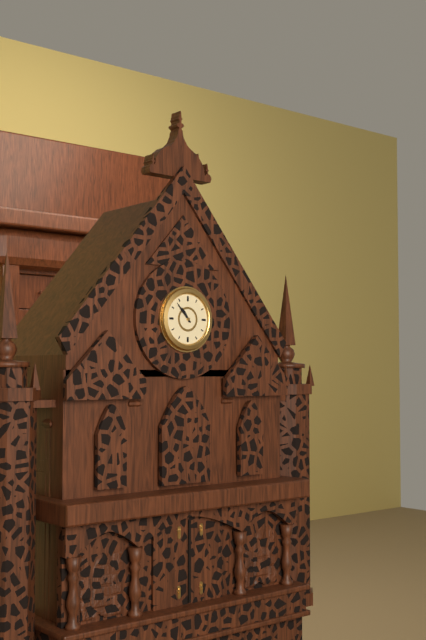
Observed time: 10h53
